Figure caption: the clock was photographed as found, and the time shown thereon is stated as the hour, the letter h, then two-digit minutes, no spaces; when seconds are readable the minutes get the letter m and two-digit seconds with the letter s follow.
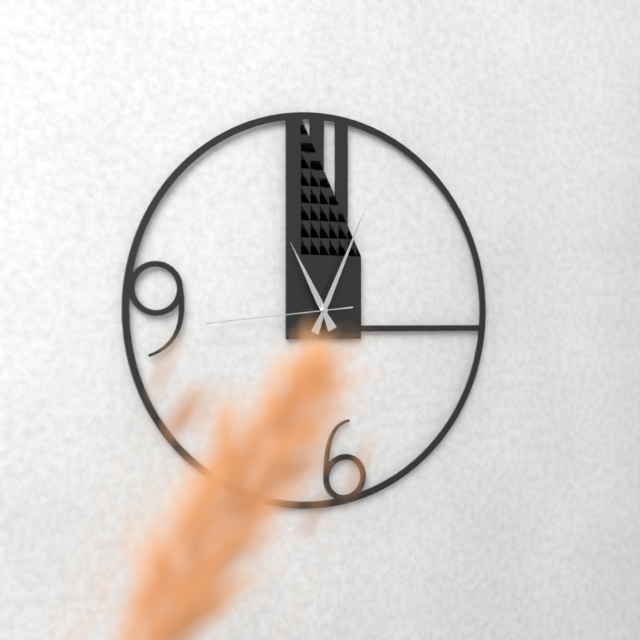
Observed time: 11h04m44s
